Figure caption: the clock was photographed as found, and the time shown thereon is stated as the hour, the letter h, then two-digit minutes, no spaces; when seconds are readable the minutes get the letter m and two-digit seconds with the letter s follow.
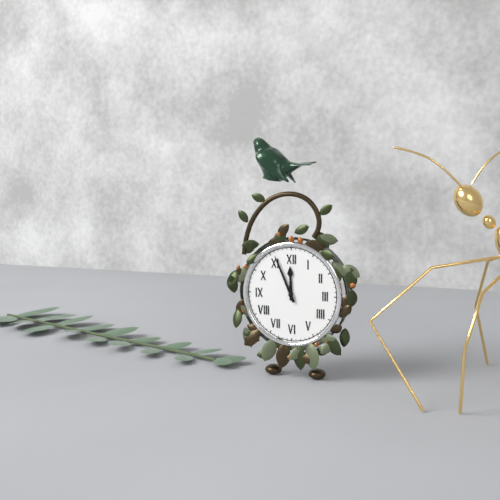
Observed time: 11h56
